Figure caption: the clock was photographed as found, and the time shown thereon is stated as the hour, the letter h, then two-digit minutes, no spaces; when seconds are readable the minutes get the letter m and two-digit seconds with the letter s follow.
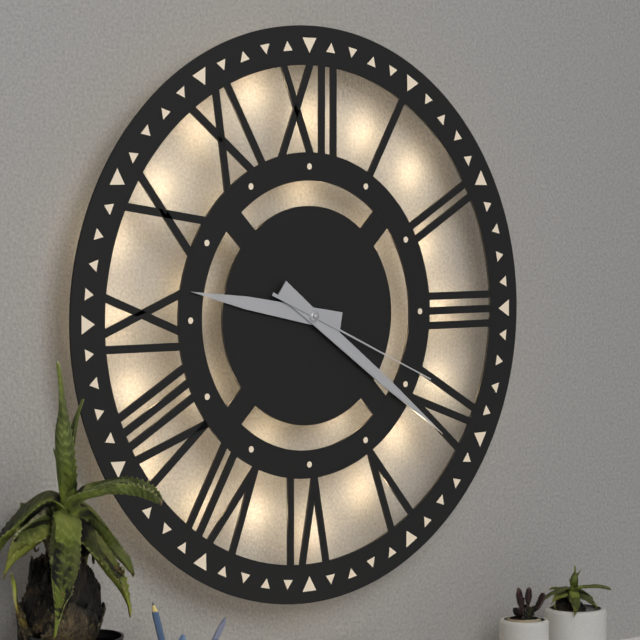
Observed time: 9h21m19s
